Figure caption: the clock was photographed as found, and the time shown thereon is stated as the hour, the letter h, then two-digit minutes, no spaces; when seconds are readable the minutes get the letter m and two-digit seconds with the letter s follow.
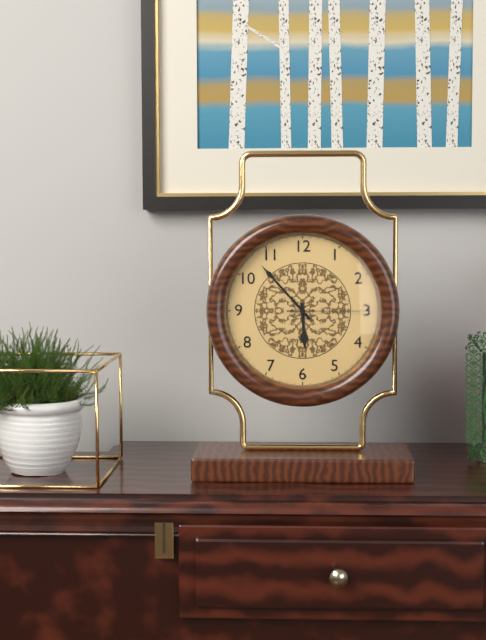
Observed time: 5h53m15s
